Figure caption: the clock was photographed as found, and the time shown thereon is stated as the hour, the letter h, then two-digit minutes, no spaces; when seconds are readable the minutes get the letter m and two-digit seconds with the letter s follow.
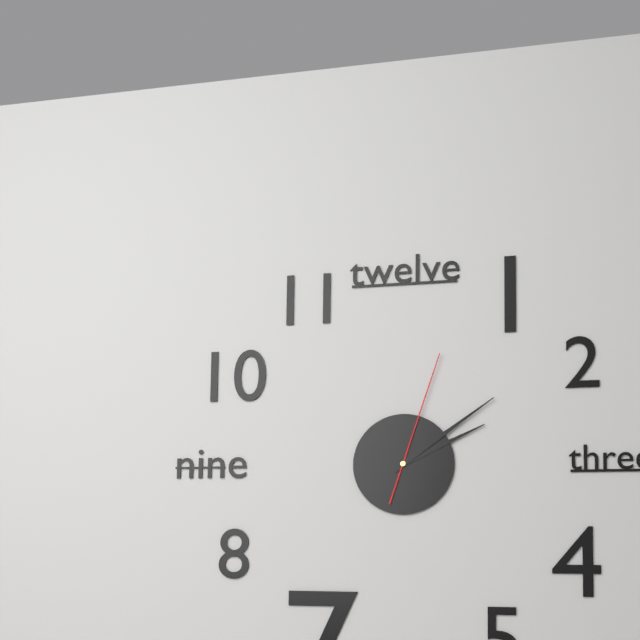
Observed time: 2h09m03s
